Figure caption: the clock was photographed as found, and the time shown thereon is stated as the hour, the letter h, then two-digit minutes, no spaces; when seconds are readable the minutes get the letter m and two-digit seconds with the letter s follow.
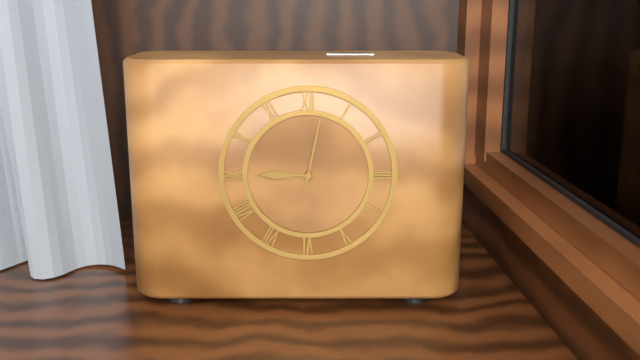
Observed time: 9h02
